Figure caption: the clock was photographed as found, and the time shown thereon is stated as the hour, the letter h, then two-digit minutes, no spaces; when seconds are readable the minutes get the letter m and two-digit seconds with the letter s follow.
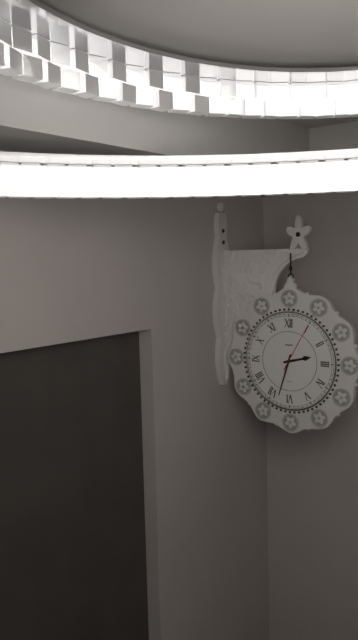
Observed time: 2h33m05s
